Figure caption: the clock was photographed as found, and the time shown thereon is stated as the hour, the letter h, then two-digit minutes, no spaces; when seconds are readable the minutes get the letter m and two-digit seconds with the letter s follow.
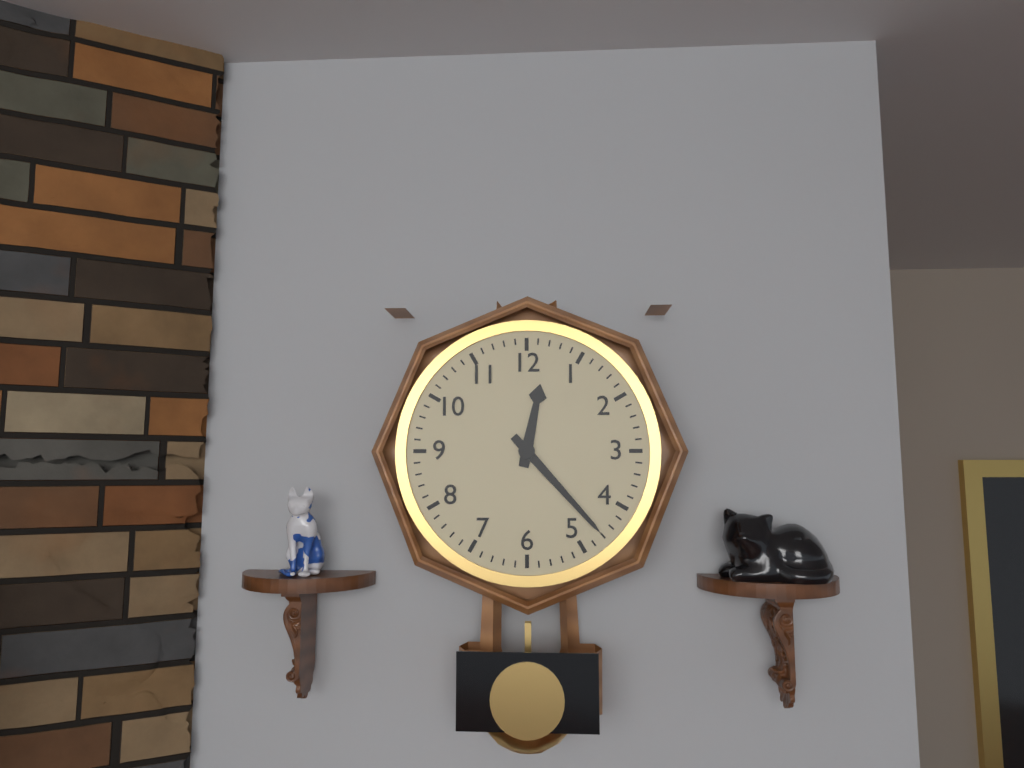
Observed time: 12h23
